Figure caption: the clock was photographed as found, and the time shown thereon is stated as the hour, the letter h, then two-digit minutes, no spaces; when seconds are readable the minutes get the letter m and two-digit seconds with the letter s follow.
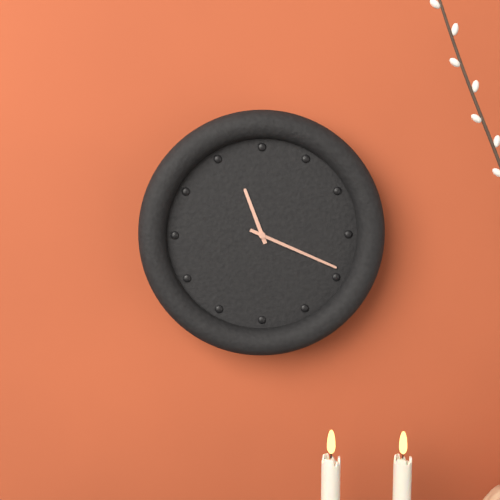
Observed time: 11h19
